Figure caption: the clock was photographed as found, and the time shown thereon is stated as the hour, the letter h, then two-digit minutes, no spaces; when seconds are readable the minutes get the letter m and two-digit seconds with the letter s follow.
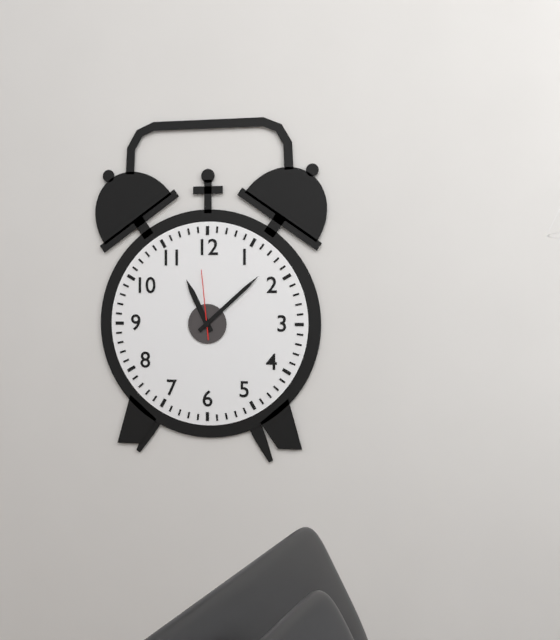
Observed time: 11h08m59s
